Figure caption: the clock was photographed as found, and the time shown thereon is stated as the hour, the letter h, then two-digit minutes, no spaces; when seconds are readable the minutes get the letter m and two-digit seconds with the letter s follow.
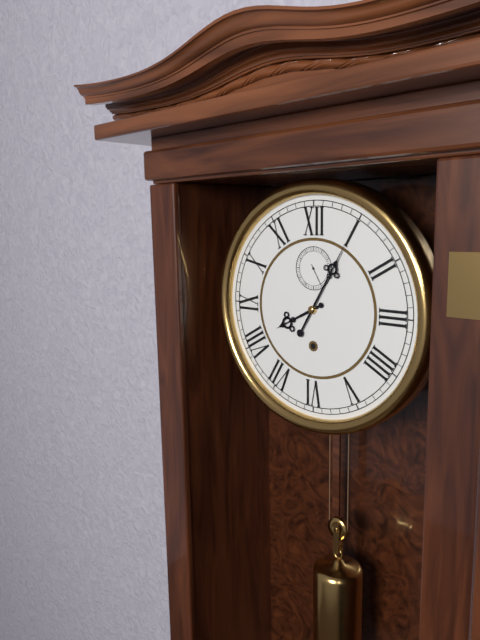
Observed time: 8h05
